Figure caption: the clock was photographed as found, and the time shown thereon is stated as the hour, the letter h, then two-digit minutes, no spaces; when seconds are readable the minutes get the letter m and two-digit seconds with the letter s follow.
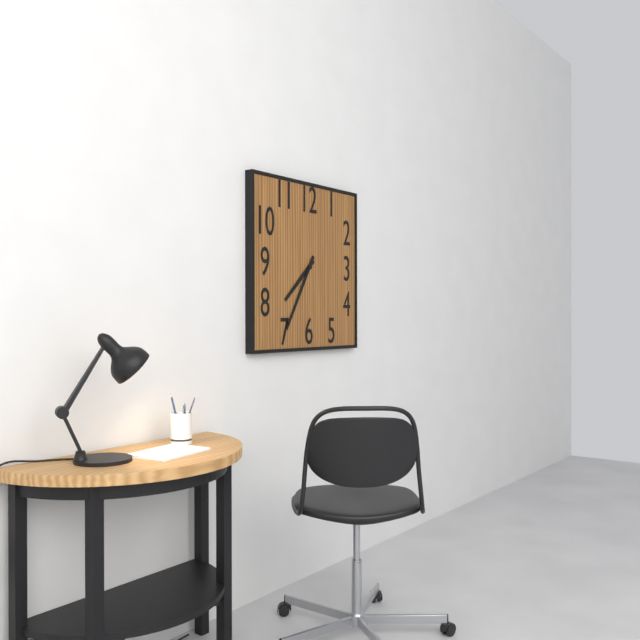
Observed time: 7h35
